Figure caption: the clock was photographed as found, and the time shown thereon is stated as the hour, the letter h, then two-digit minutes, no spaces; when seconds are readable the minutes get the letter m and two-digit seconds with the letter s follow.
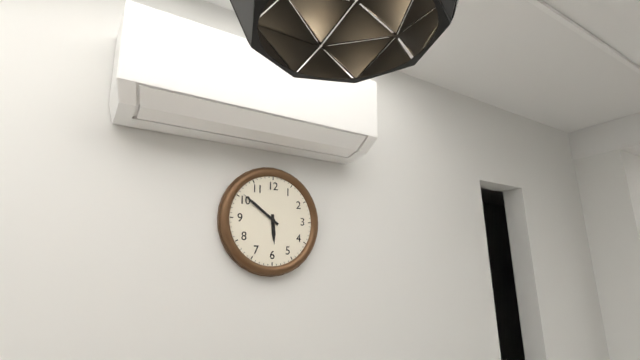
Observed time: 5h51
